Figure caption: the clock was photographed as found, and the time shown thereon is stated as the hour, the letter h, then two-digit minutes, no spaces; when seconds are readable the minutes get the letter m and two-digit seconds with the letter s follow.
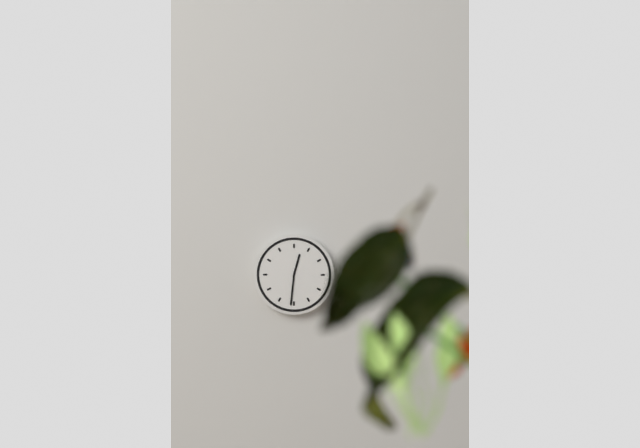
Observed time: 12h31
